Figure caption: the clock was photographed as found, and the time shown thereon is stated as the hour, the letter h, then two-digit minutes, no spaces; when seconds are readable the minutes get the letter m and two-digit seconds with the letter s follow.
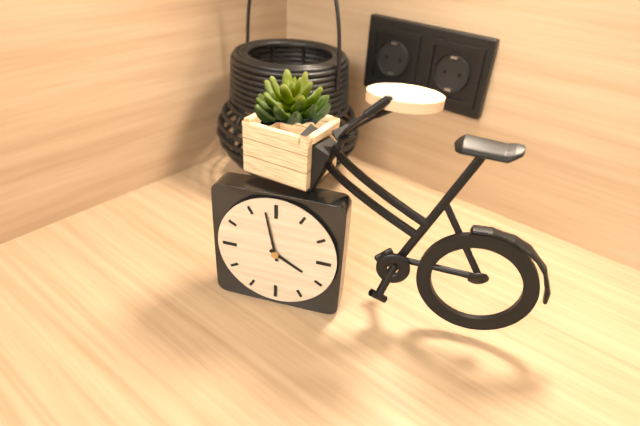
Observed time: 3h58
